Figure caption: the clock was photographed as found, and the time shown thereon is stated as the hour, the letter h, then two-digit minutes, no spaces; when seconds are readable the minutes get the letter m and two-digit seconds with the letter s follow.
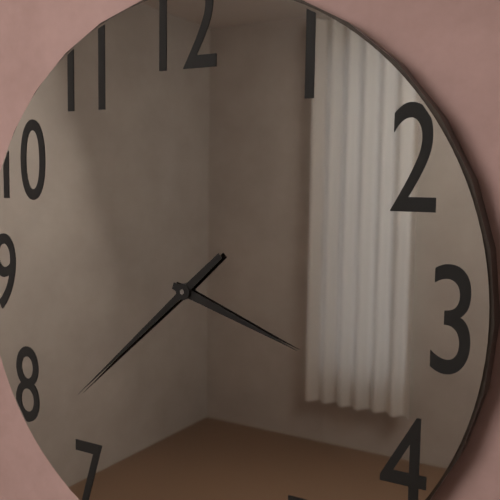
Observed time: 3h38
